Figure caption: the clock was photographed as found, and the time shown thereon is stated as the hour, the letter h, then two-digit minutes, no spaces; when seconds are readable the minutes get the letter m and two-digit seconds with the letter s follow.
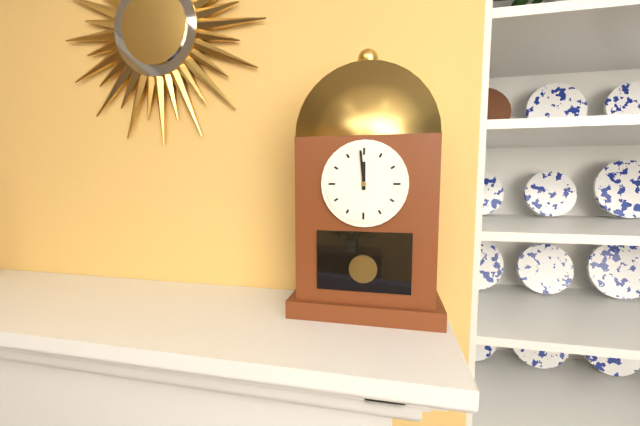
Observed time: 11h59
